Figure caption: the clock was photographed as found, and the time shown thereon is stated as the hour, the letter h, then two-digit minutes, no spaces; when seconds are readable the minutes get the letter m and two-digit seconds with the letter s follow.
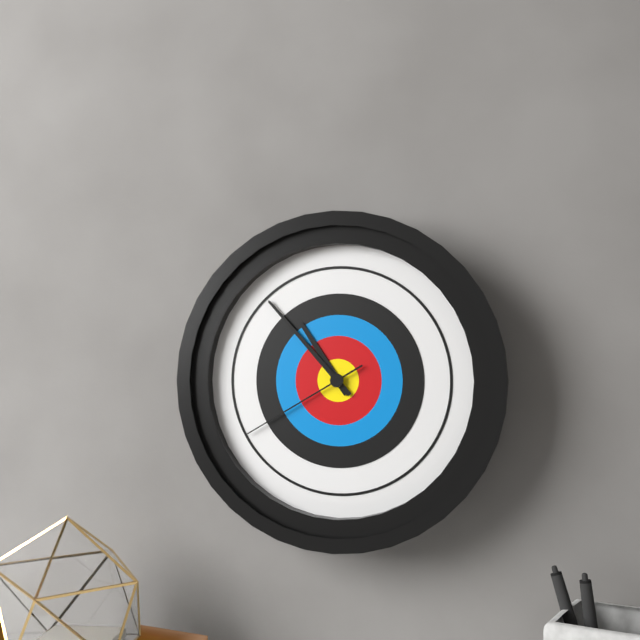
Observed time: 10h53m40s
